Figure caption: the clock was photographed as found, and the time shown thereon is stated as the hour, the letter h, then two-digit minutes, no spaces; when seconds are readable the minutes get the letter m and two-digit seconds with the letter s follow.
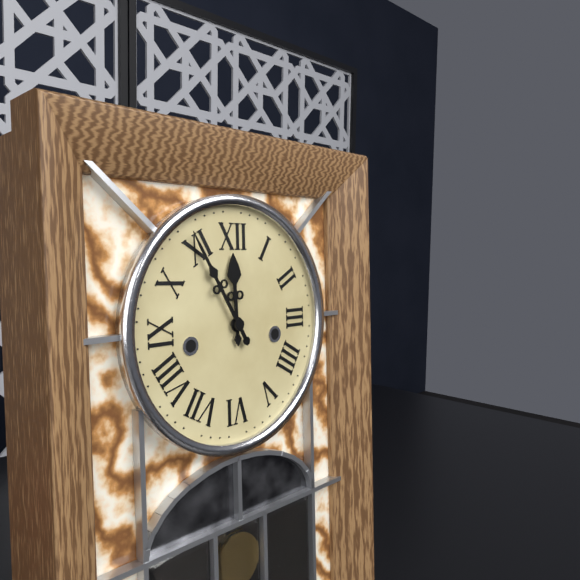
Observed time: 11h55
